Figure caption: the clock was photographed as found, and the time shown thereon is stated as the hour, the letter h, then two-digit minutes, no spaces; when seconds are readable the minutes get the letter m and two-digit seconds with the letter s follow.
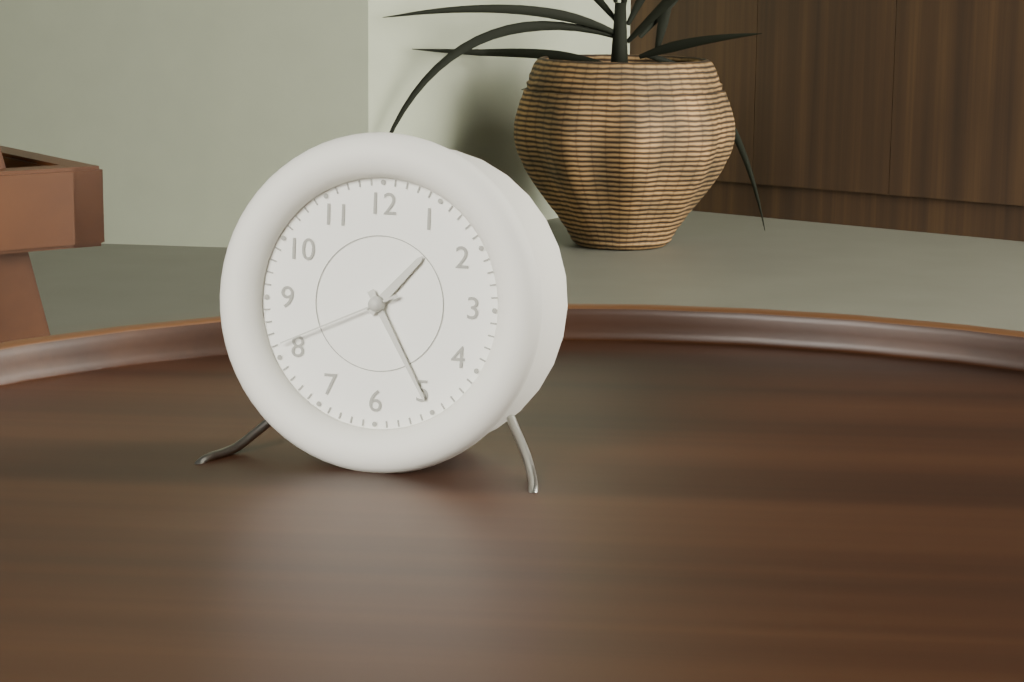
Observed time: 1h25m41s
